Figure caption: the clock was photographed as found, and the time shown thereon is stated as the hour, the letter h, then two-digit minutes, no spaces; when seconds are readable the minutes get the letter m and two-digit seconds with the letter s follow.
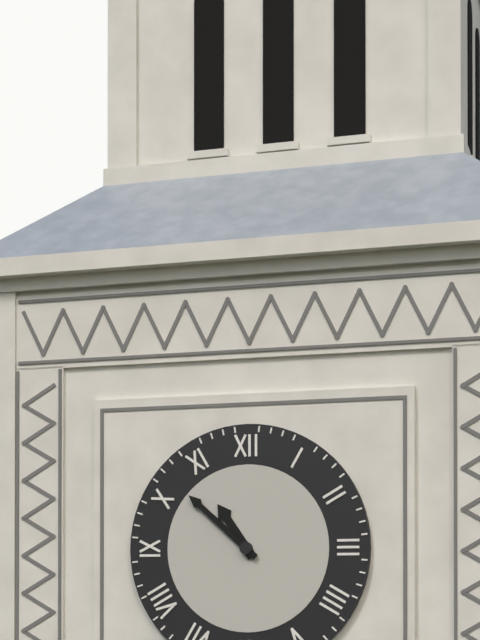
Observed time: 10h52
